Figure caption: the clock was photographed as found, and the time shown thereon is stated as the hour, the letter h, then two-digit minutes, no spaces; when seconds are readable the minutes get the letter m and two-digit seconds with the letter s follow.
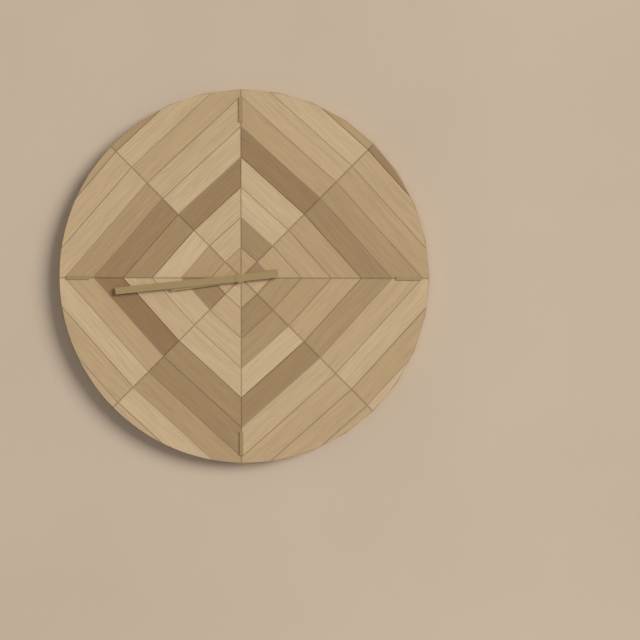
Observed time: 8h44
